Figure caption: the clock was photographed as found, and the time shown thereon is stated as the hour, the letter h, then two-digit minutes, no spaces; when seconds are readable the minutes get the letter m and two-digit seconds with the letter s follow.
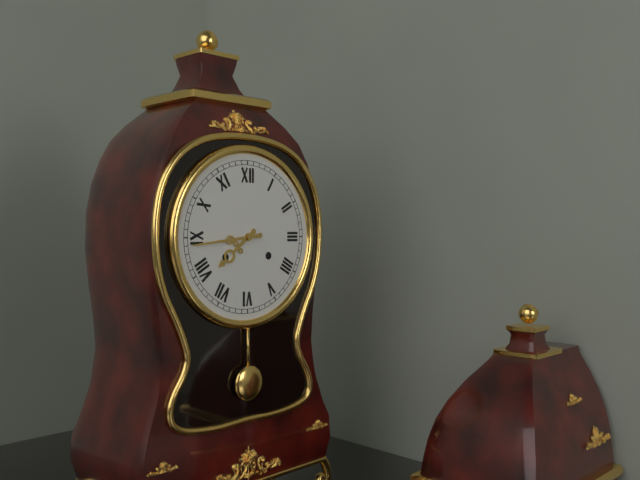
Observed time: 7h44
